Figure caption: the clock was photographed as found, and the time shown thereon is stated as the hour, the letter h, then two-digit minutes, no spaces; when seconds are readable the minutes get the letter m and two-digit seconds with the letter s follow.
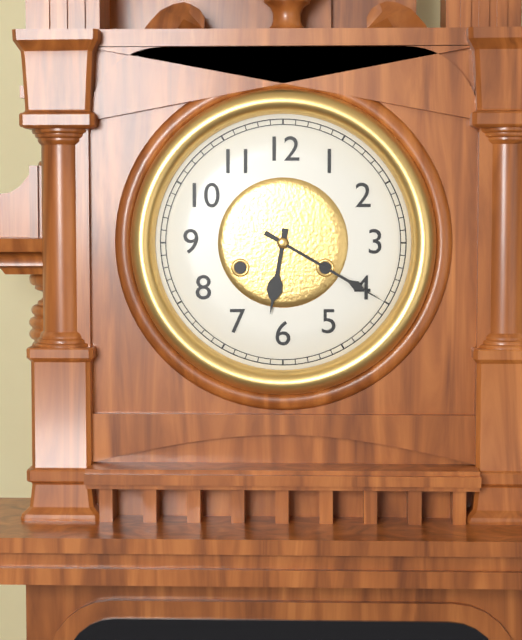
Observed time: 6h20
